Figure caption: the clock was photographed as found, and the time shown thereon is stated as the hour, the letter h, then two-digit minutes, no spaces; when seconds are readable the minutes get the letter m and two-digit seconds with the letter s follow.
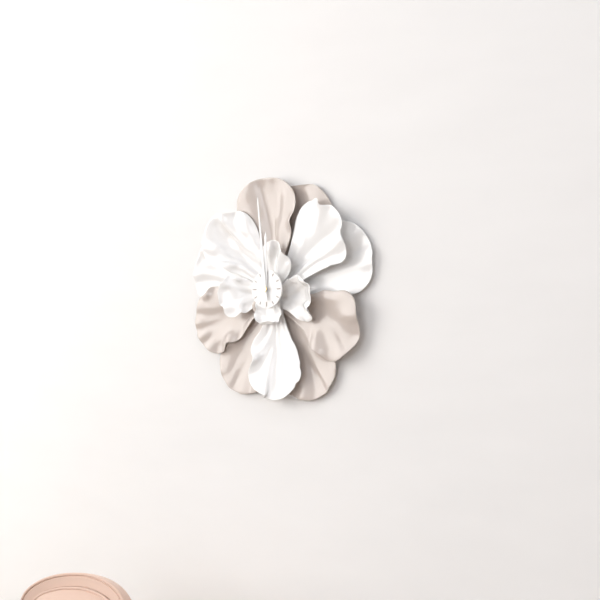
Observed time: 11h59
